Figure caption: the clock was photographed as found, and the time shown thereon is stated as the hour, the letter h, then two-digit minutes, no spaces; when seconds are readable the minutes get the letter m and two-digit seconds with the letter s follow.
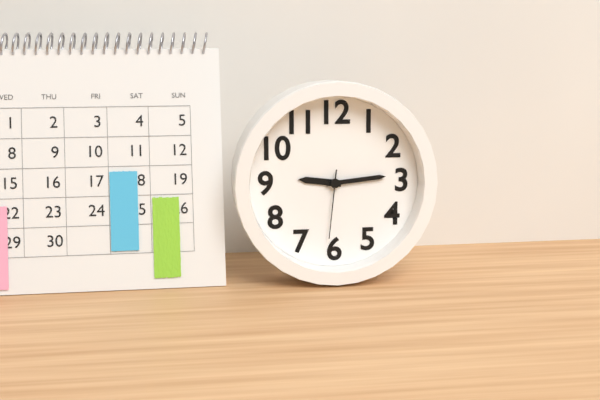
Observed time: 9h14m31s
